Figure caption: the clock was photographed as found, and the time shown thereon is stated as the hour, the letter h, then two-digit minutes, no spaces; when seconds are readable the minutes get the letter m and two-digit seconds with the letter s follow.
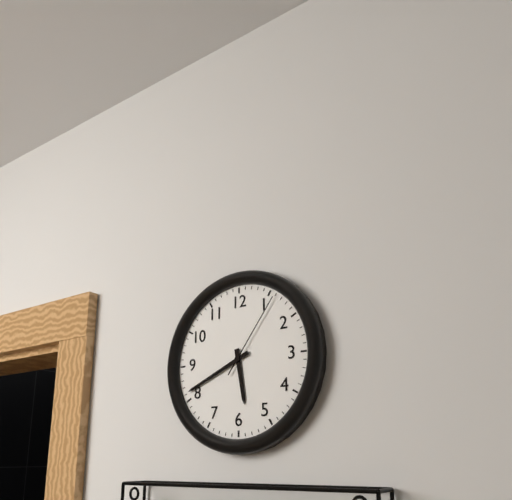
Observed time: 5h41m06s
